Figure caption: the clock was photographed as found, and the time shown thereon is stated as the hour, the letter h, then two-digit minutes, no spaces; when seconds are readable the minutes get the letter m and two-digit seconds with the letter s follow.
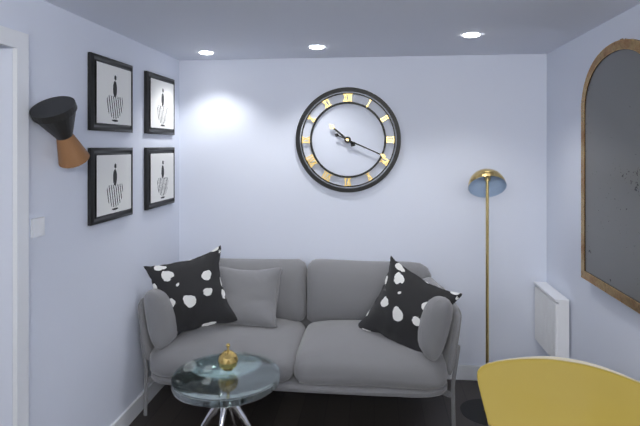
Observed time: 10h19
